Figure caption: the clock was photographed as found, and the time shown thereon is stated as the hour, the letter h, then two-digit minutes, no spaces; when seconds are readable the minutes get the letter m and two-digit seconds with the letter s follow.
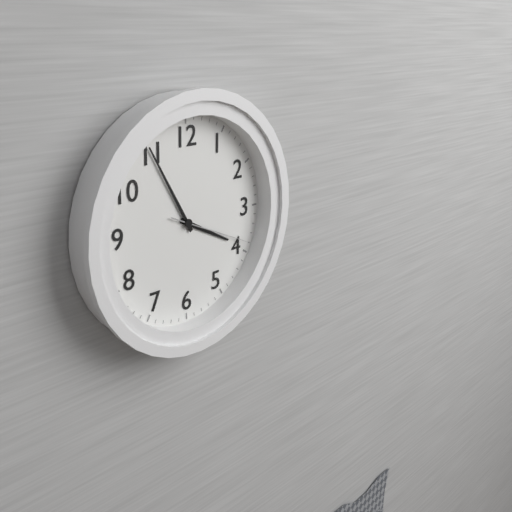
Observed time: 3h55m19s
